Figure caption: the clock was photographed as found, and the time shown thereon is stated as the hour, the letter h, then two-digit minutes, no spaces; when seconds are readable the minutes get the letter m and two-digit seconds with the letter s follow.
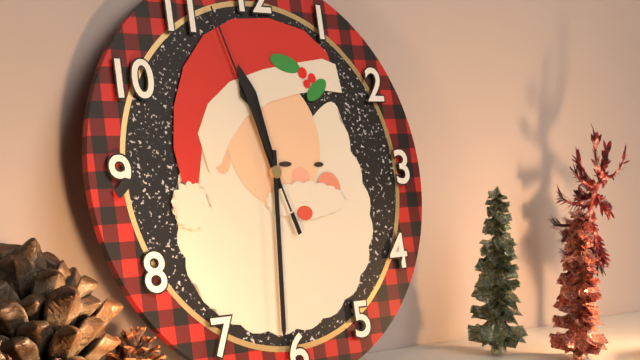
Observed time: 11h31m57s
